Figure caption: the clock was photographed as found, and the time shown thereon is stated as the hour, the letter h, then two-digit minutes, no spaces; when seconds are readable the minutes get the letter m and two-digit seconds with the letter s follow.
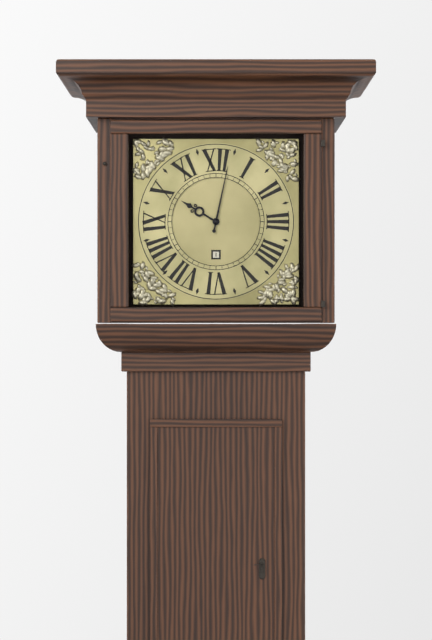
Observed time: 10h02
